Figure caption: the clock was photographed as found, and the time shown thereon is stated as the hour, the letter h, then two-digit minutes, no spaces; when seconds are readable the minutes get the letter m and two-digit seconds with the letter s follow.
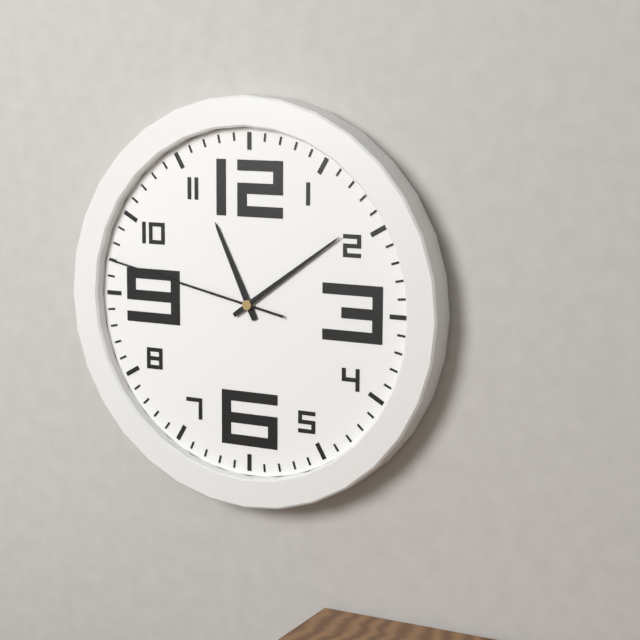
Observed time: 11h09m47s
